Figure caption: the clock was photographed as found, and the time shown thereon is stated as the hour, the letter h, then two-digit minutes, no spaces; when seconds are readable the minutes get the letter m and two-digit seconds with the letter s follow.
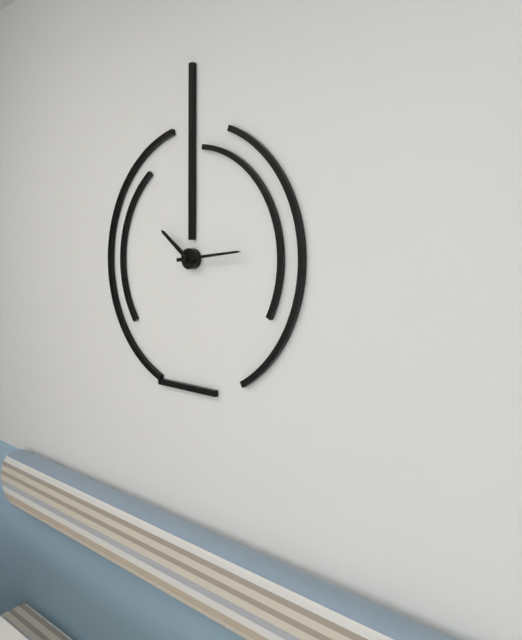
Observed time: 10h14
